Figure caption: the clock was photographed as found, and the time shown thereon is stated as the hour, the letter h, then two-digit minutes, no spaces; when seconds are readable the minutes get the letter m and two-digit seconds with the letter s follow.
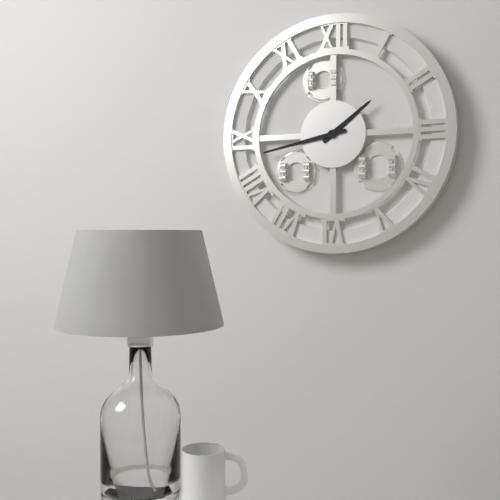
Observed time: 1h43
